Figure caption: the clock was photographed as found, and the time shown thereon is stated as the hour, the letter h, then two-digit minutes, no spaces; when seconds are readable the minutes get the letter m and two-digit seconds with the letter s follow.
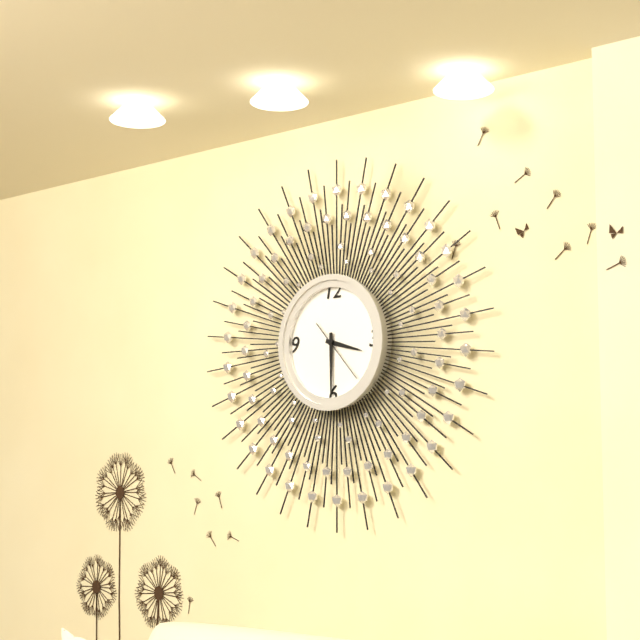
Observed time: 3h30m23s
